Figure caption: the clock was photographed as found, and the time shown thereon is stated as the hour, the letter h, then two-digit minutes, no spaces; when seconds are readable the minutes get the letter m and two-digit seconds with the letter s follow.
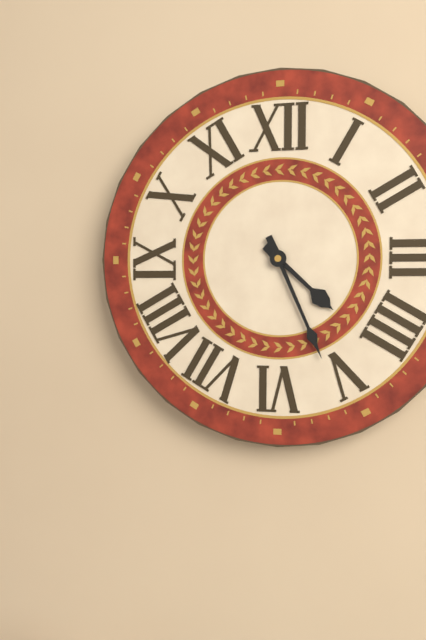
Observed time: 4h26
